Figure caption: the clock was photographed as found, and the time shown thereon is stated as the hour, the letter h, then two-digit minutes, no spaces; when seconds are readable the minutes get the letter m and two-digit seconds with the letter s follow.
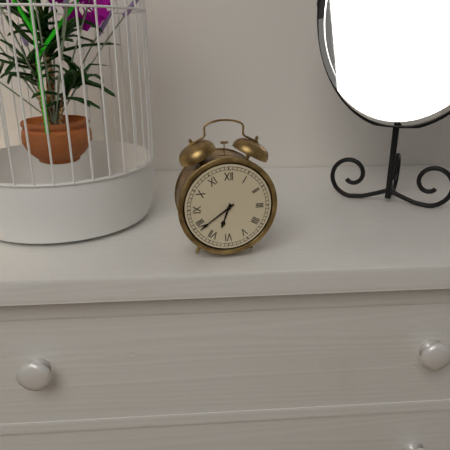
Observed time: 6h39
